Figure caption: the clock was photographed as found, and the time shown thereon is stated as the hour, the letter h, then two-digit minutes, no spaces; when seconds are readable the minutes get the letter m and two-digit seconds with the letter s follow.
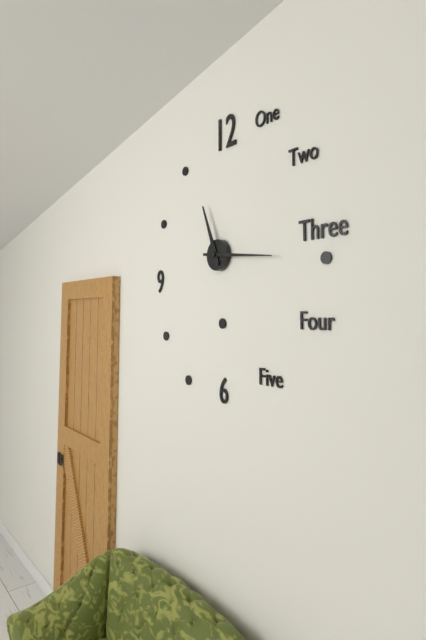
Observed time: 11h16
